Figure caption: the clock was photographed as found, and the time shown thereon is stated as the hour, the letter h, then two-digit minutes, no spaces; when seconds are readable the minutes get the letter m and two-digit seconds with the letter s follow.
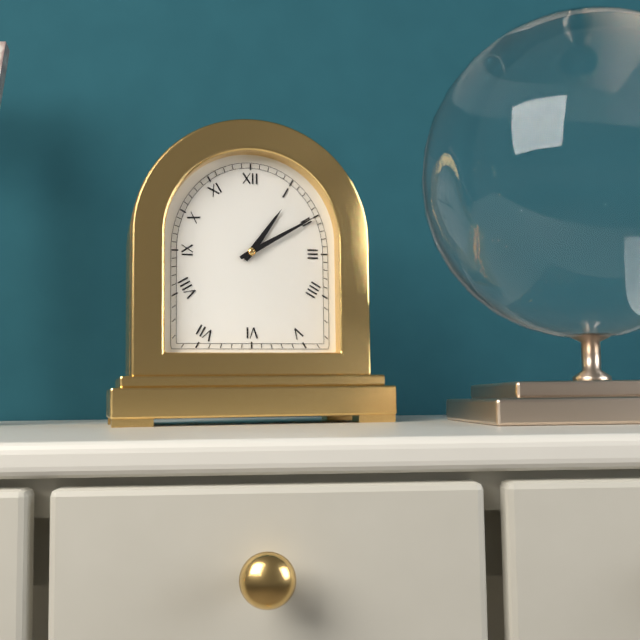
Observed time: 1h10
